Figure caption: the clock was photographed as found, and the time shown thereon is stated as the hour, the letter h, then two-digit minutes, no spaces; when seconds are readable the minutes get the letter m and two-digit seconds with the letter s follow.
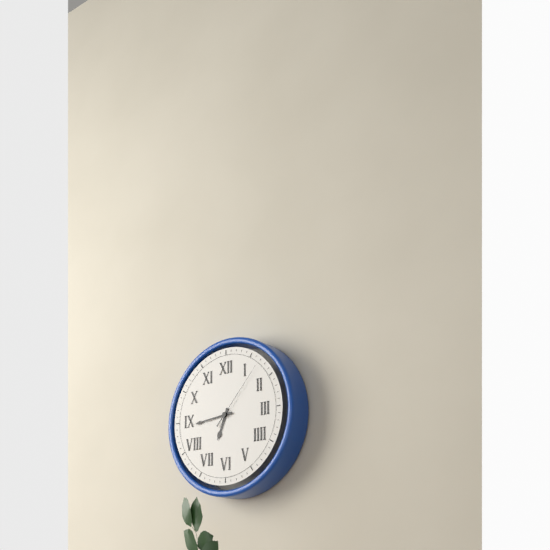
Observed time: 6h44m07s
